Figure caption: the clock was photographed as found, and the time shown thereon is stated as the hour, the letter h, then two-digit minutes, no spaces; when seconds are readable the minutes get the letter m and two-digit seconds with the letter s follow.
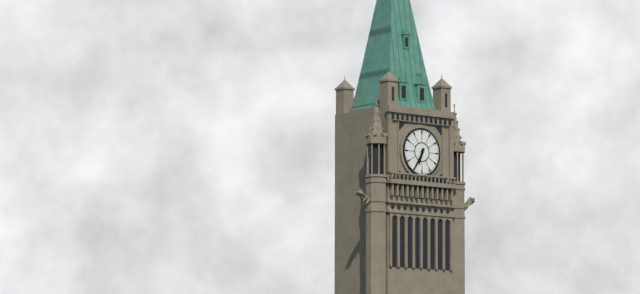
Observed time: 6h35
